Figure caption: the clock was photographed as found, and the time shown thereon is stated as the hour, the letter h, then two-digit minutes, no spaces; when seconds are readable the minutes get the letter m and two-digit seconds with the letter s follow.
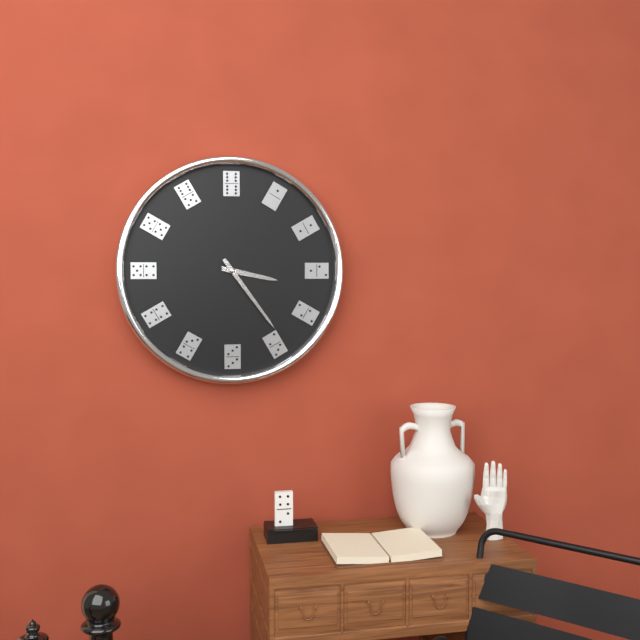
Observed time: 3h24
